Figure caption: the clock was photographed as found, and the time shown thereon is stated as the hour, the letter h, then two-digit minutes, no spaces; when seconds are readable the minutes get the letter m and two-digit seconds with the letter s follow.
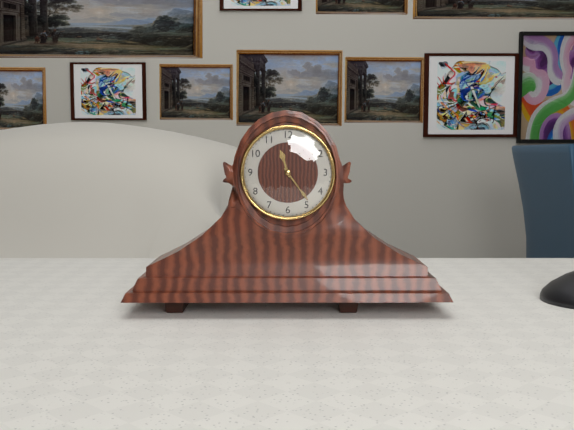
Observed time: 11h24
